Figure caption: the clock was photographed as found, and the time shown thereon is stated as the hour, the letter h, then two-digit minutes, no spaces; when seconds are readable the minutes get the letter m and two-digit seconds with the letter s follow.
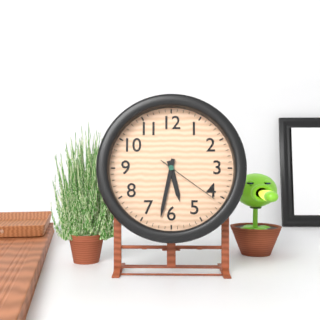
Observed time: 5h32m21s
